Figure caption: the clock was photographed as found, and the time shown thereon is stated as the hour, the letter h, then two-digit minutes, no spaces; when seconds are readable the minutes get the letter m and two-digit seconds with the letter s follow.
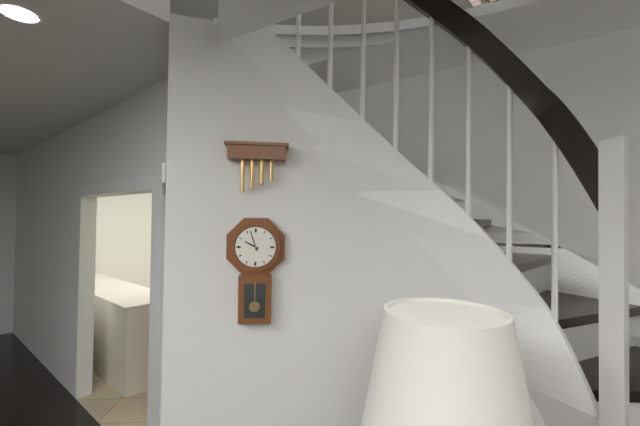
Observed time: 9h57
